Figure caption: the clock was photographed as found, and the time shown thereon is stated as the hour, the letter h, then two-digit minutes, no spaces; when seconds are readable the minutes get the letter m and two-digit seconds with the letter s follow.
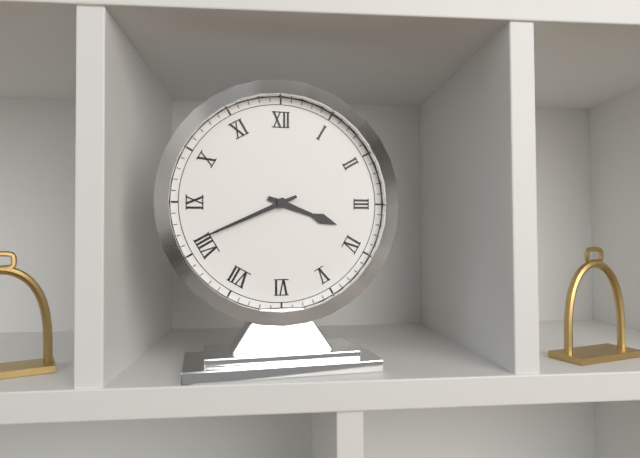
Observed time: 3h41
